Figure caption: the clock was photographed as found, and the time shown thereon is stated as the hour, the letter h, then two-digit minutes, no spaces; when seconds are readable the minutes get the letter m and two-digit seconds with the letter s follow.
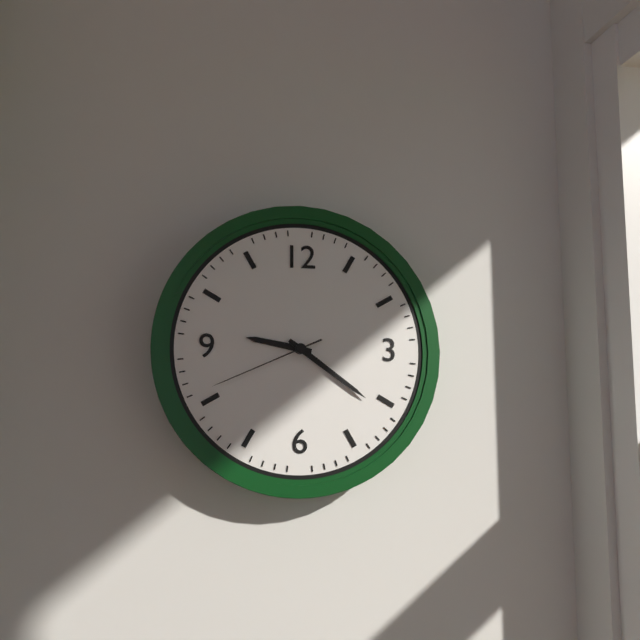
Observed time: 9h21m41s
